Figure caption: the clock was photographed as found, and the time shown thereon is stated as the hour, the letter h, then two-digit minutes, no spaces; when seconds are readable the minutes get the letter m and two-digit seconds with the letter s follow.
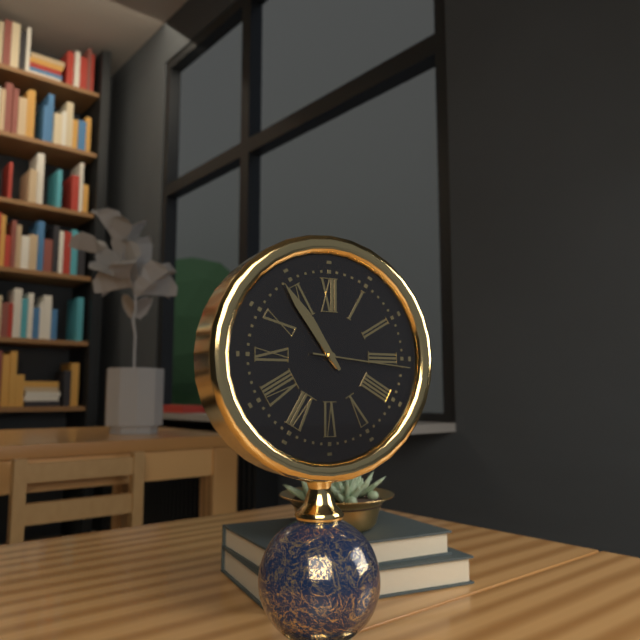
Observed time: 10h54m16s
